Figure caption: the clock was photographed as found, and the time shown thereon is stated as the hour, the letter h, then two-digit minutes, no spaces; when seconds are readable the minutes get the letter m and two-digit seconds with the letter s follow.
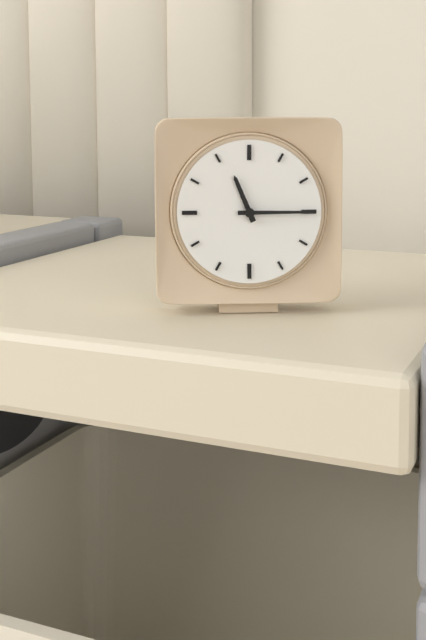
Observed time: 11h15
